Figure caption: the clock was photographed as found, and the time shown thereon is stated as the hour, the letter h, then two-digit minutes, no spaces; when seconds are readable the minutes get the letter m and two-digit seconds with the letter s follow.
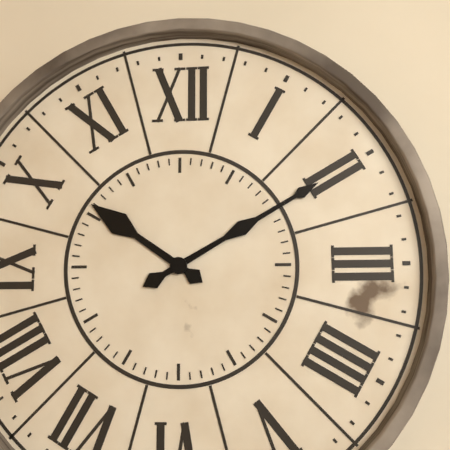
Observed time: 10h10
